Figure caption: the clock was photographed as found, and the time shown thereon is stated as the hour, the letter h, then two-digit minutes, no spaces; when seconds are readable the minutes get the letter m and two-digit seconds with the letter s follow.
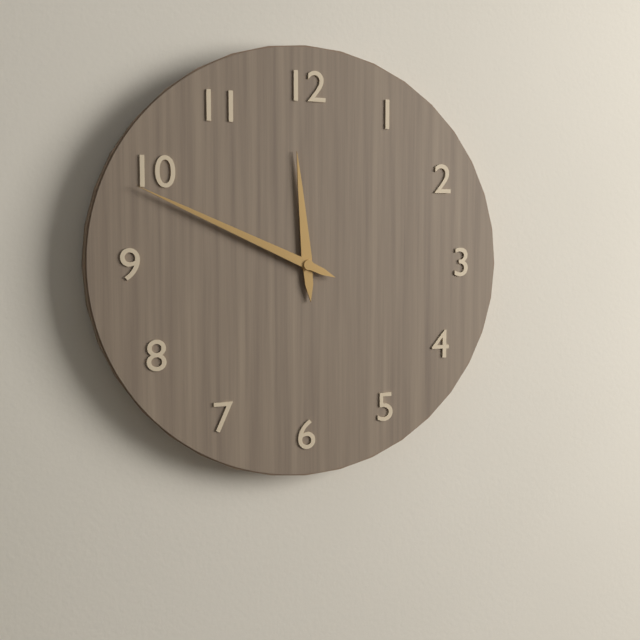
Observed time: 11h49
